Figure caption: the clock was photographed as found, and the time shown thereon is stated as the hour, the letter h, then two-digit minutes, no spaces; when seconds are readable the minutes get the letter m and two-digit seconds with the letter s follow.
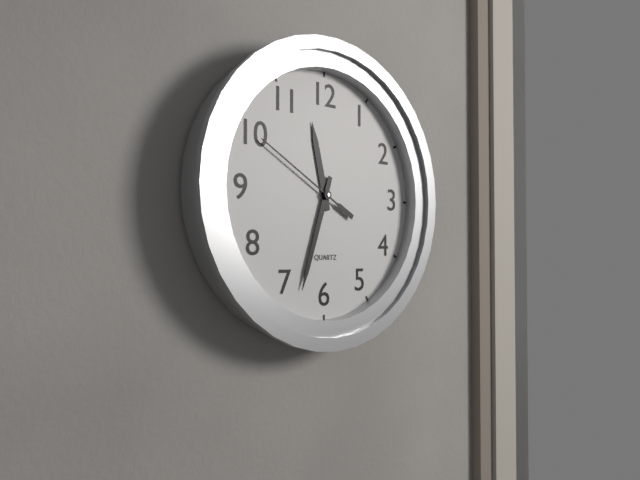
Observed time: 11h33m50s
